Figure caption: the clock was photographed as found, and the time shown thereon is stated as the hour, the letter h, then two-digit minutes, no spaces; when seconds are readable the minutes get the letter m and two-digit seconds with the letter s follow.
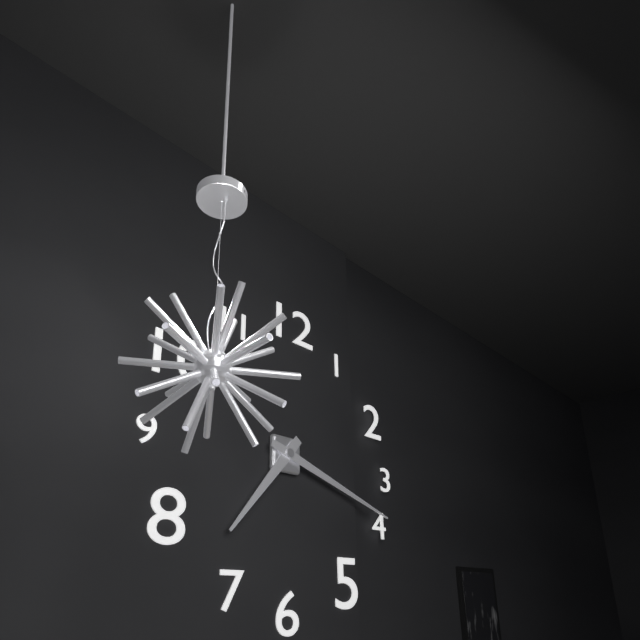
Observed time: 7h18
